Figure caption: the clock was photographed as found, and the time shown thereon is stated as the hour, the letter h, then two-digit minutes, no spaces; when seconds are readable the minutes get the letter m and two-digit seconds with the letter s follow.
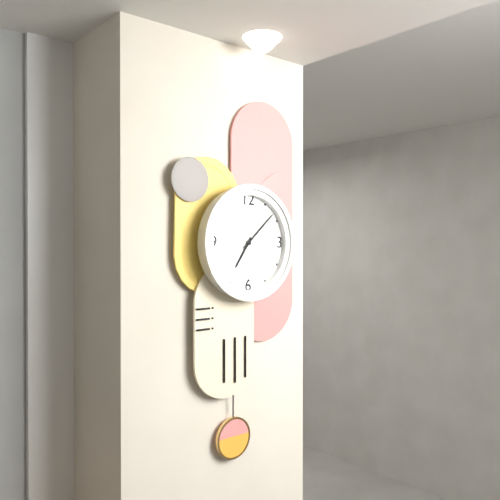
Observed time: 7h08
